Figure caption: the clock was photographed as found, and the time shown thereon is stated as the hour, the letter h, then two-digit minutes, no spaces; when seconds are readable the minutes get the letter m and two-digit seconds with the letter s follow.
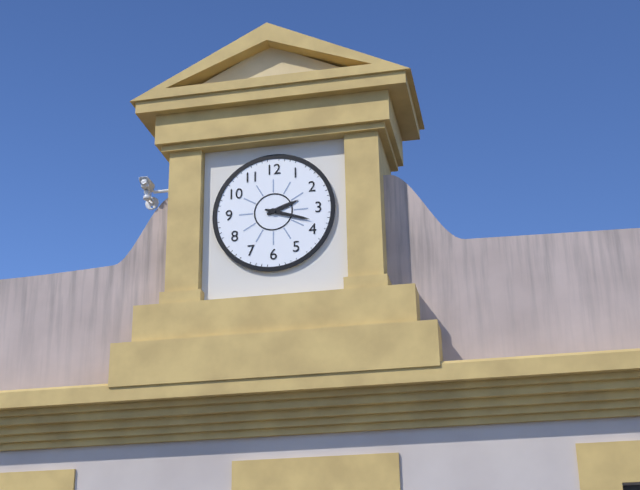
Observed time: 2h18
